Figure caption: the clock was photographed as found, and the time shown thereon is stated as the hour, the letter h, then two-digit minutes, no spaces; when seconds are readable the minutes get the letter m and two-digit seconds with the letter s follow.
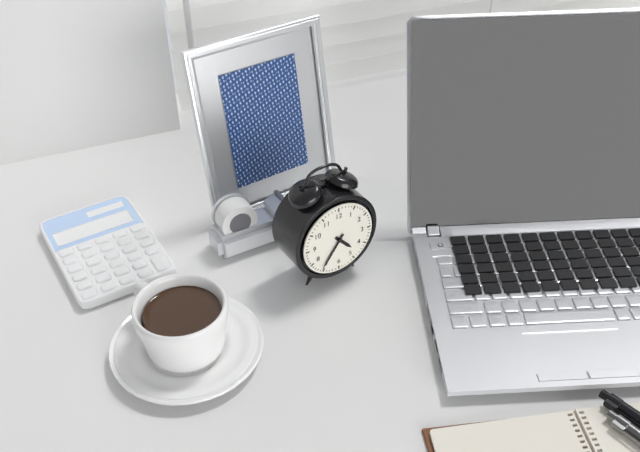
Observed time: 4h36
